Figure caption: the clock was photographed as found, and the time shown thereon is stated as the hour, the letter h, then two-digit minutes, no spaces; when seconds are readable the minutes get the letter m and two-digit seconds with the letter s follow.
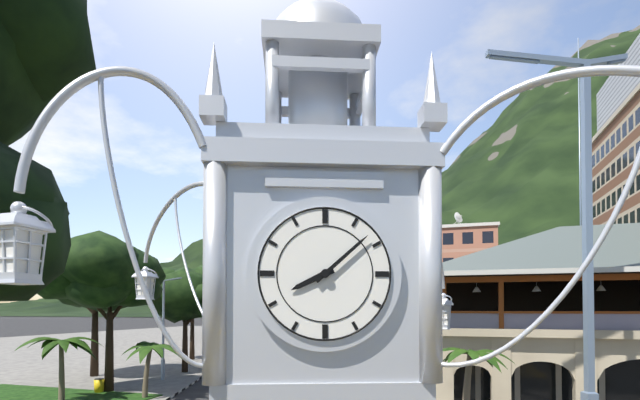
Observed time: 8h08
